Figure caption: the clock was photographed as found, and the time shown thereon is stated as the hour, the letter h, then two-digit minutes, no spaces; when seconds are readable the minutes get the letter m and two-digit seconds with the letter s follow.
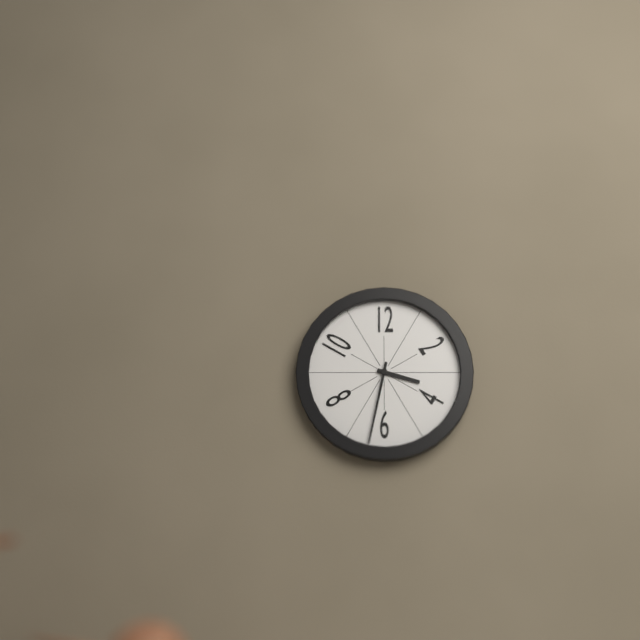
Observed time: 3h32
